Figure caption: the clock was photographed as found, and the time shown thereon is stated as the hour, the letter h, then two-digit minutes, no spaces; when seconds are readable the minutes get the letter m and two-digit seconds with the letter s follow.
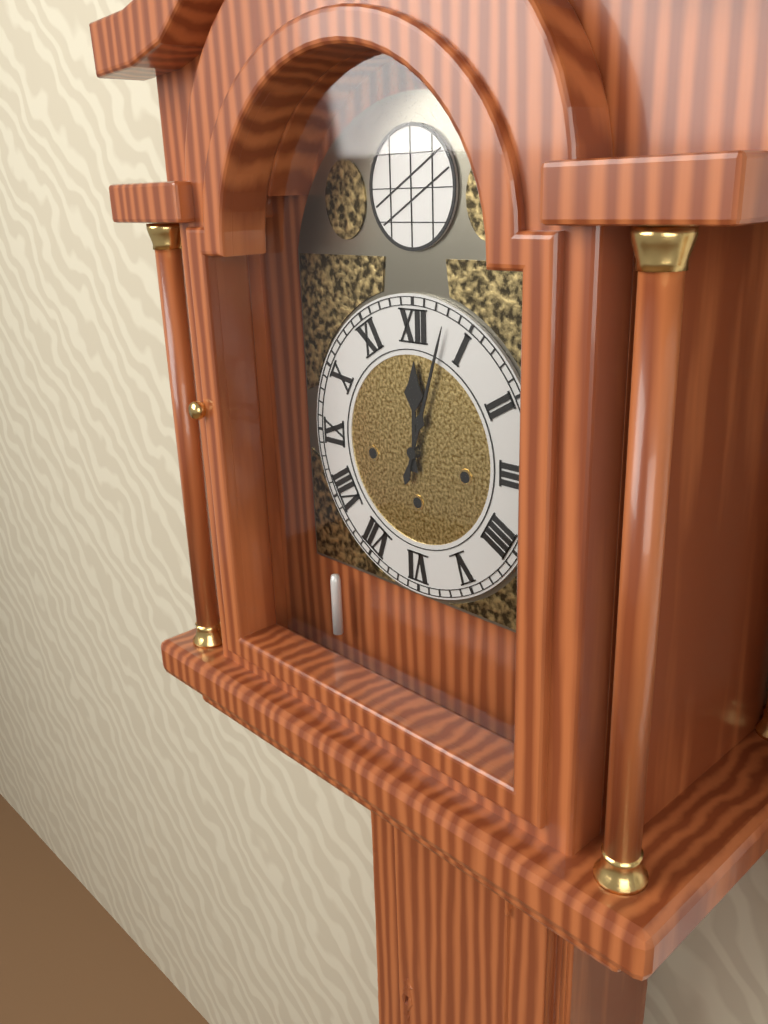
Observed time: 12h03
